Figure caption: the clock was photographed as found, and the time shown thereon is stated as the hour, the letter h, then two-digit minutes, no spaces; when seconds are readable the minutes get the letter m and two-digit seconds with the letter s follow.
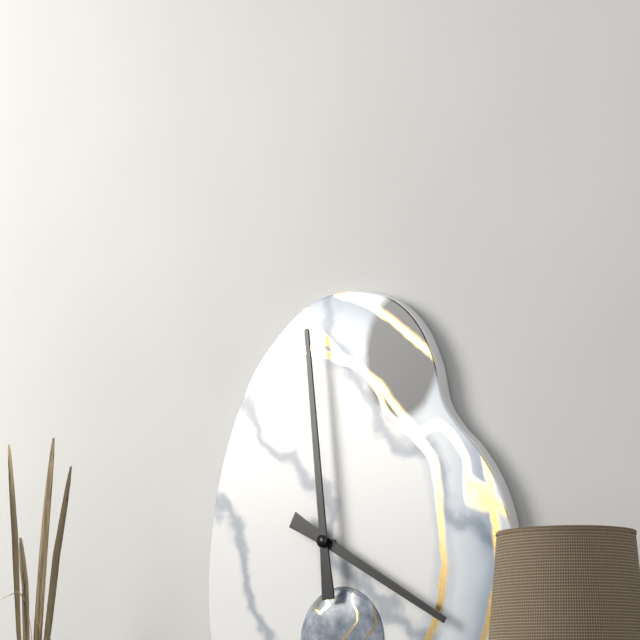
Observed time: 3h59
